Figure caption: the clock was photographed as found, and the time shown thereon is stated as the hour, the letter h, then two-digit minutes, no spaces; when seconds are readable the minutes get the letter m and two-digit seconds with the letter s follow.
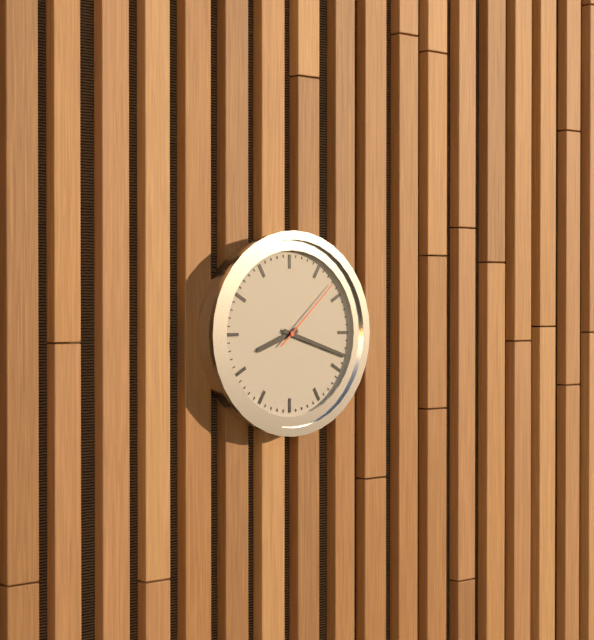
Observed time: 8h18m08s
